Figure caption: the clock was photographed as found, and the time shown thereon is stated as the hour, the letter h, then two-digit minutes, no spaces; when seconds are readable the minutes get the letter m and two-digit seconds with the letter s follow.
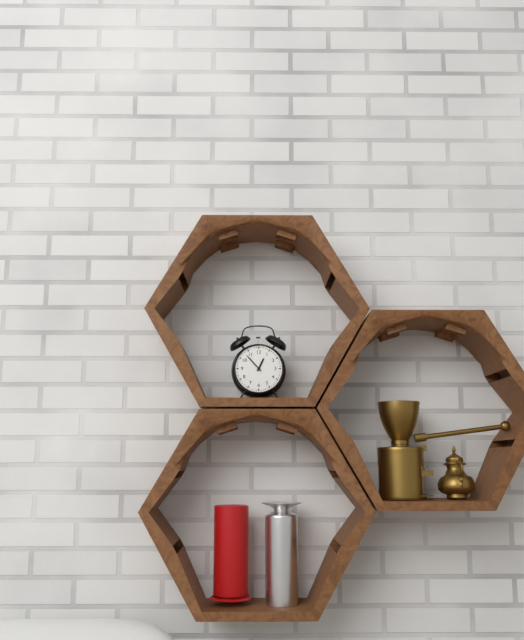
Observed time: 12h53
